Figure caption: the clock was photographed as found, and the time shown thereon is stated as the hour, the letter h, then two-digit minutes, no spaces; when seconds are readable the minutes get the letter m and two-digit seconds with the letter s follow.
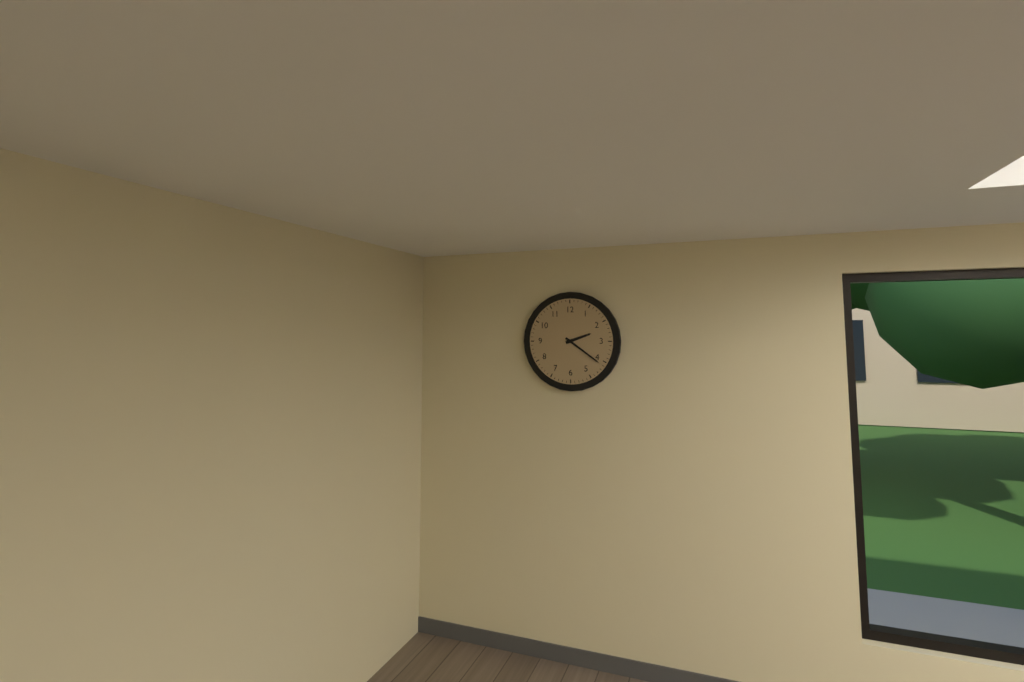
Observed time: 2h21
